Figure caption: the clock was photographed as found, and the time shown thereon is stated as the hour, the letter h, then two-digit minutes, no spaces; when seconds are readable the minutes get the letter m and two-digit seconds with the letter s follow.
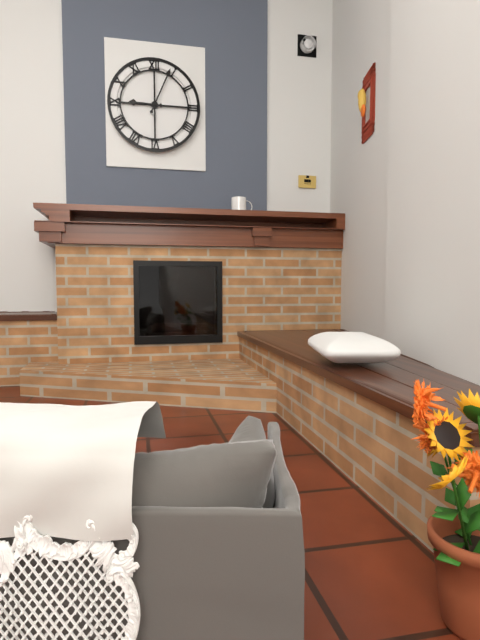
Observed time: 9h04
